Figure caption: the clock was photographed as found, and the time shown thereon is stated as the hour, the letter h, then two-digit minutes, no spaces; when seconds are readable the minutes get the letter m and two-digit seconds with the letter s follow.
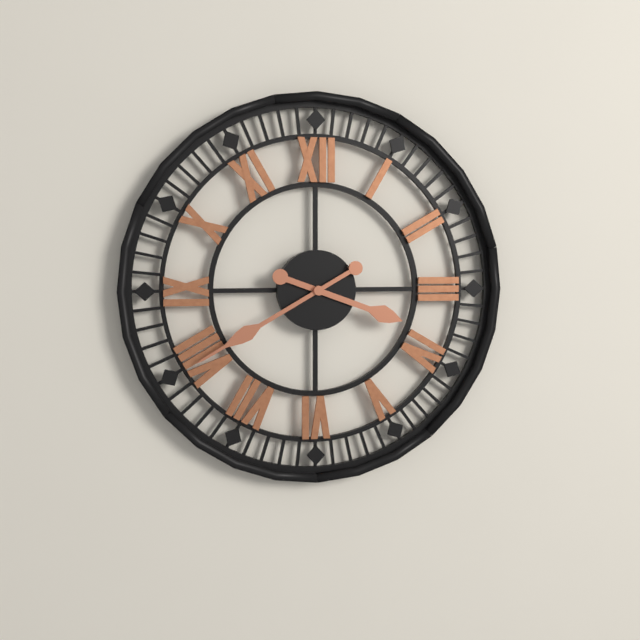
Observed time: 3h40
